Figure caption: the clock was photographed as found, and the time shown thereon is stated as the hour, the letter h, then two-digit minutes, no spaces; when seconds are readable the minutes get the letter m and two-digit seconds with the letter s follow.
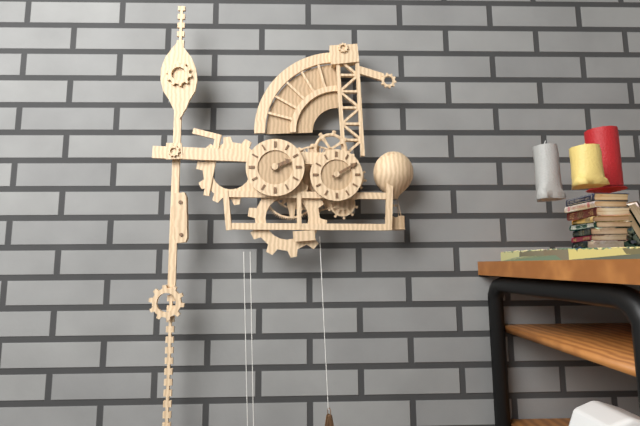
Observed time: 2h10
